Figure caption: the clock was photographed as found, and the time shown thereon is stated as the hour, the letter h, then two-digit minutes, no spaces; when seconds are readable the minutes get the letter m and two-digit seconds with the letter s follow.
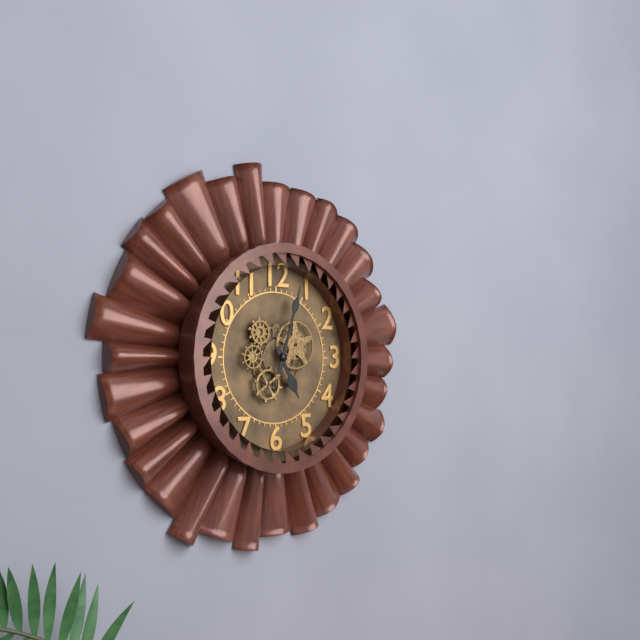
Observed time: 5h03
